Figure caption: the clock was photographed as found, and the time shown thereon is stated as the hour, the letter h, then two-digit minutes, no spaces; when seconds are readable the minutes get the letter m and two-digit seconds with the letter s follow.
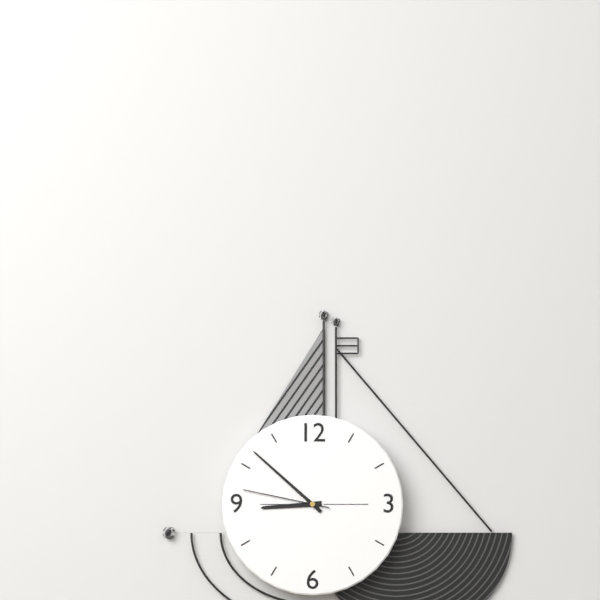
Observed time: 8h52m47s
